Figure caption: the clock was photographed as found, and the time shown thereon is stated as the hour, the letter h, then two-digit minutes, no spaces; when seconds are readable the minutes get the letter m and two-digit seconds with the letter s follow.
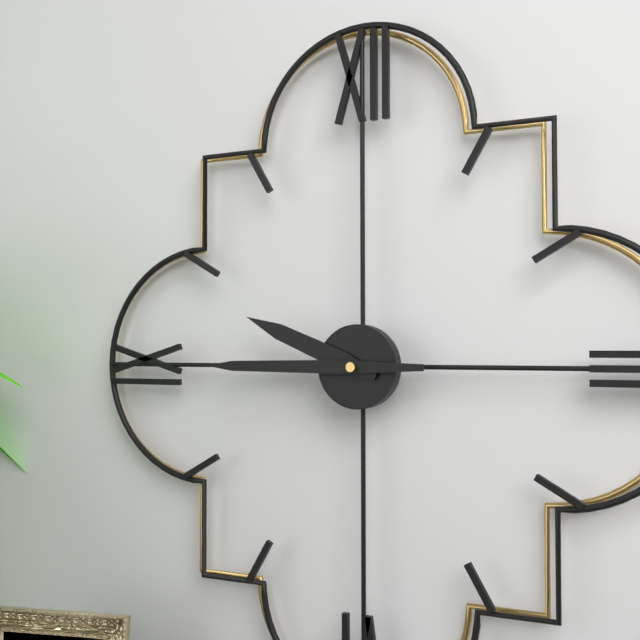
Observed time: 9h45
